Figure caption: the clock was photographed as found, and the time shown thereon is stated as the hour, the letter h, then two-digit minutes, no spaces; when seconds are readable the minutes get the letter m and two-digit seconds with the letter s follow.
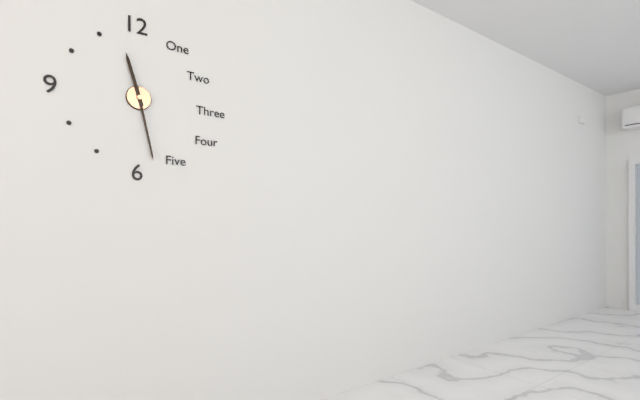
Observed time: 11h28
